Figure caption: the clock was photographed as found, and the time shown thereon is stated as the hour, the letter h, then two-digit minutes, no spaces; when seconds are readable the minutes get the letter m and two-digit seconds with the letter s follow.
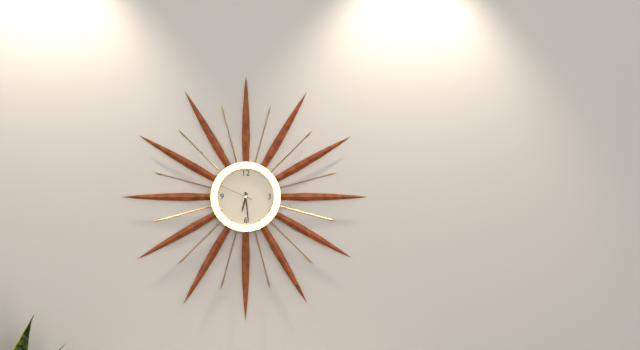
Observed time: 6h29
